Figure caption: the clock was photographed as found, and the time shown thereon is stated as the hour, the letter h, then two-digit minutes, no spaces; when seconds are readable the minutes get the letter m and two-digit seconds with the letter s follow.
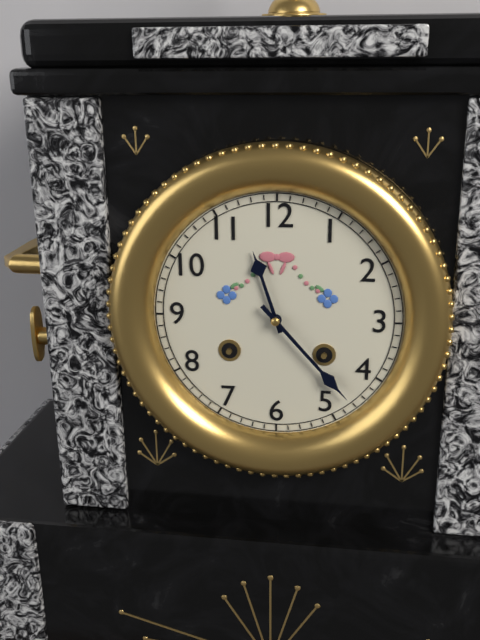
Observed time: 11h23
